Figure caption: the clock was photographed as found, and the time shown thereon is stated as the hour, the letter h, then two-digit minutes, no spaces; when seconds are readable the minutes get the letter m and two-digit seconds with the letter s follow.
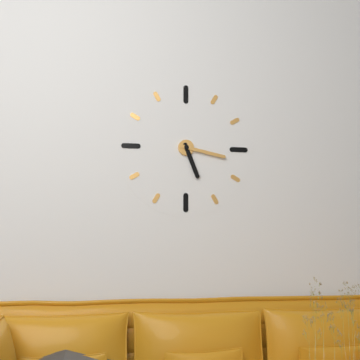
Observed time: 5h17
